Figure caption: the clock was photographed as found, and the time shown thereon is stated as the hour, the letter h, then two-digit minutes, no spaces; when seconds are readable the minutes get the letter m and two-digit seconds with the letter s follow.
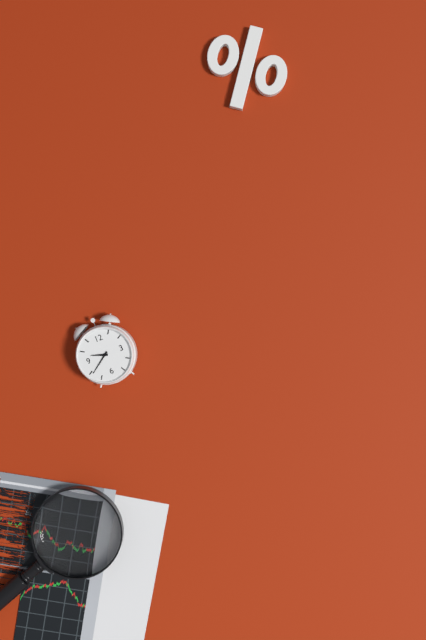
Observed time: 9h39
